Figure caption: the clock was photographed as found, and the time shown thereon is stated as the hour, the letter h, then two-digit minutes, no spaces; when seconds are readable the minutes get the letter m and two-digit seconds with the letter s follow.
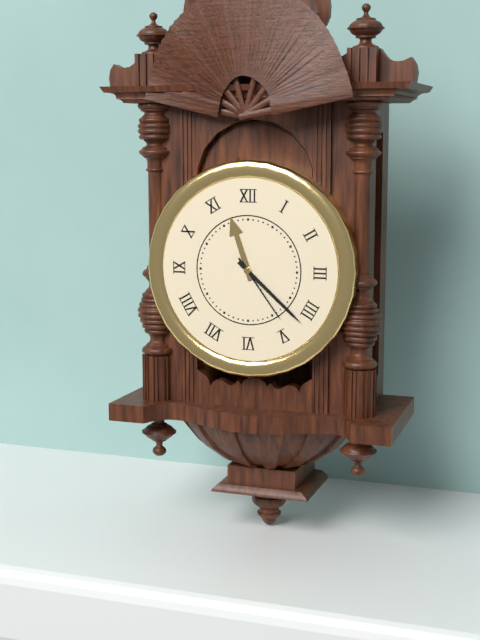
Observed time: 11h22m24s
